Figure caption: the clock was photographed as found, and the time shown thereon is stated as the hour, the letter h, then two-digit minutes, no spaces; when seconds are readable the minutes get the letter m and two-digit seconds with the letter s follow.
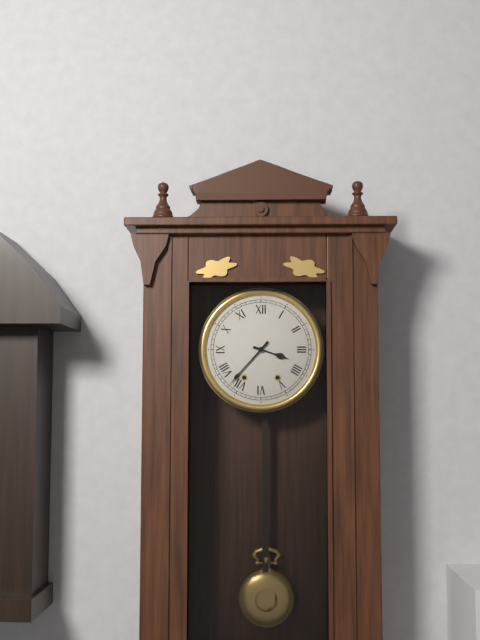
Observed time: 3h37
